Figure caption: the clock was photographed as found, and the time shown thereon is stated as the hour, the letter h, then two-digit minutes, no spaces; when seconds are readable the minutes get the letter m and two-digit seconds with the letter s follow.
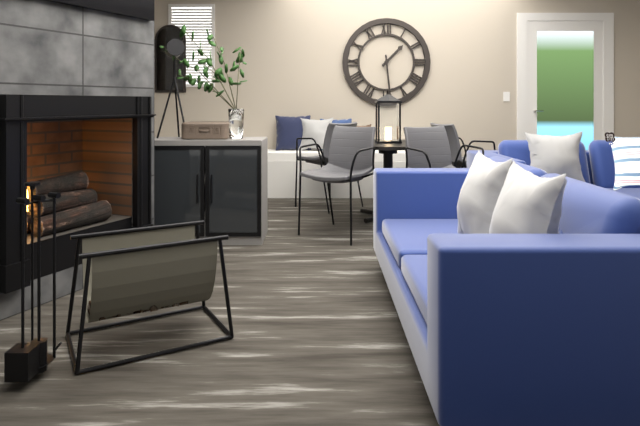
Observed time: 1h29
